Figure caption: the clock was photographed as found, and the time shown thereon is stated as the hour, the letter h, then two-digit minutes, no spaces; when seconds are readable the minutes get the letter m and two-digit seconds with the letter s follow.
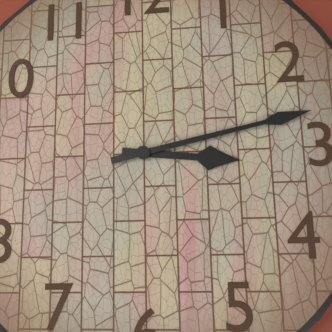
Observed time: 3h13
